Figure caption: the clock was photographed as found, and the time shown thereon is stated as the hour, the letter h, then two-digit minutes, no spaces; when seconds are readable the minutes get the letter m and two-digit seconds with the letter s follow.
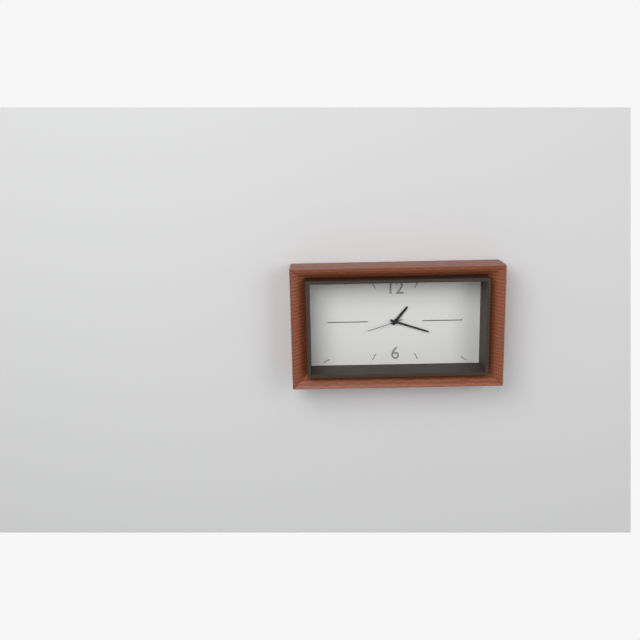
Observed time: 1h18
